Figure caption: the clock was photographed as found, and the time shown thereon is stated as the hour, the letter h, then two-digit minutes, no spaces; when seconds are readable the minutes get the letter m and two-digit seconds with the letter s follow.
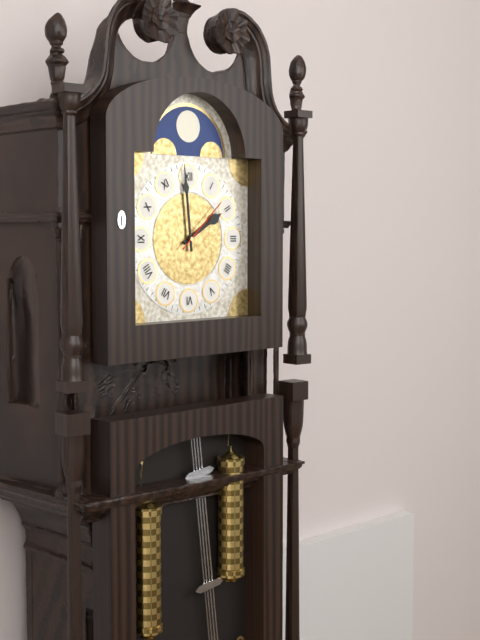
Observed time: 1h59m08s
